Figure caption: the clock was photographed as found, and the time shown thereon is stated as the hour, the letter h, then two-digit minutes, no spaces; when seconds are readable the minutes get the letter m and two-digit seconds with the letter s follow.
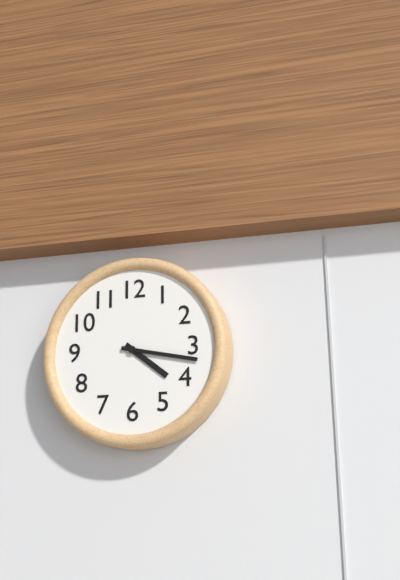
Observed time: 4h17
